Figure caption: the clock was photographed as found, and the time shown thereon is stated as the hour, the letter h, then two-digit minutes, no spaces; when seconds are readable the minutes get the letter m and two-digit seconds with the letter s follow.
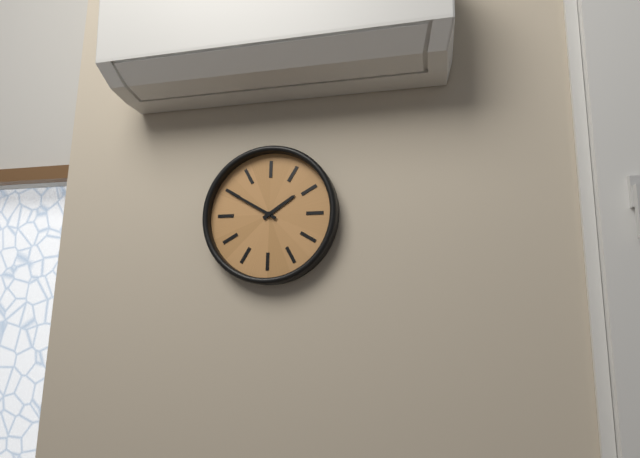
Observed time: 1h50
